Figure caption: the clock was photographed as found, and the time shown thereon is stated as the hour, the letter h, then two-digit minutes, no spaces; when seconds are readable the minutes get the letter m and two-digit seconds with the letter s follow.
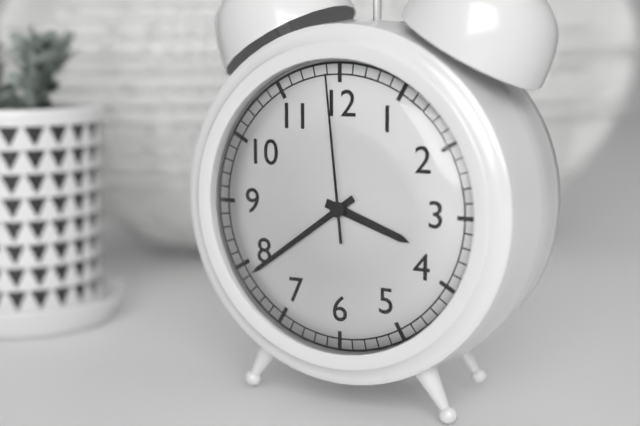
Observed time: 3h39m59s
